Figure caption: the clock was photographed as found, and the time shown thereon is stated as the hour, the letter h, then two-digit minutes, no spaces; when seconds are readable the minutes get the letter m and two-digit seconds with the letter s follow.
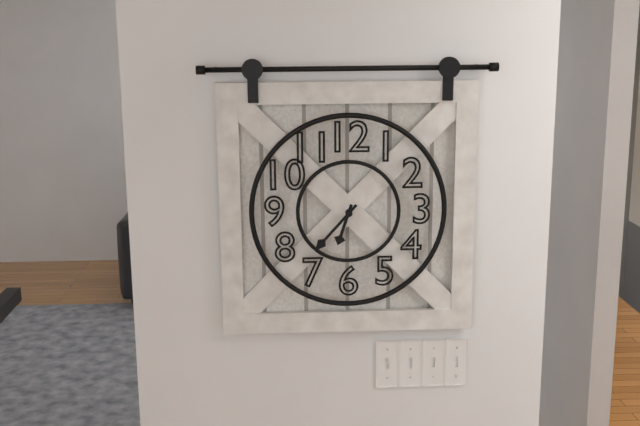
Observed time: 6h37
